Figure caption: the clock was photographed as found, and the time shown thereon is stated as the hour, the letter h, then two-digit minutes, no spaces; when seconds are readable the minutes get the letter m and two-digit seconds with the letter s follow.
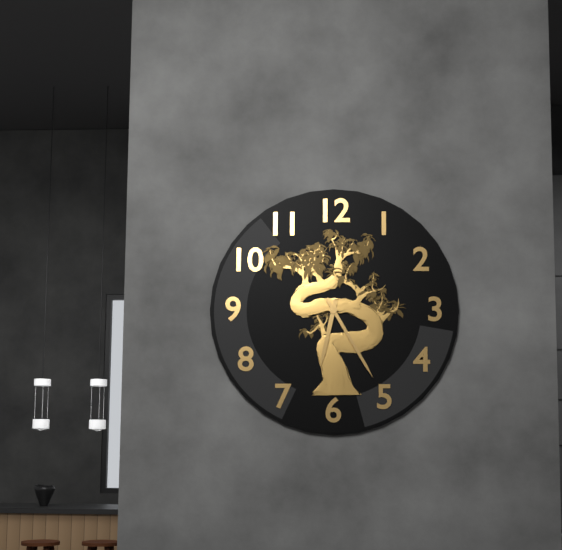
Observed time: 6h25
